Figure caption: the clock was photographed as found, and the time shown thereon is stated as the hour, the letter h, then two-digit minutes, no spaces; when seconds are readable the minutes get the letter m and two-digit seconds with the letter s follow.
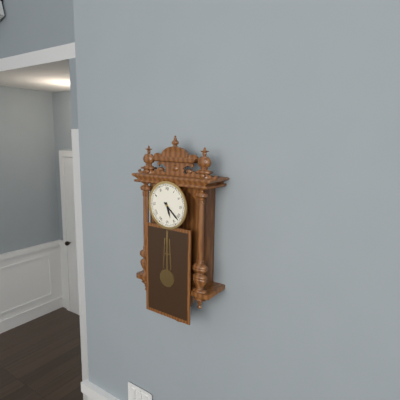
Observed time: 5h22
